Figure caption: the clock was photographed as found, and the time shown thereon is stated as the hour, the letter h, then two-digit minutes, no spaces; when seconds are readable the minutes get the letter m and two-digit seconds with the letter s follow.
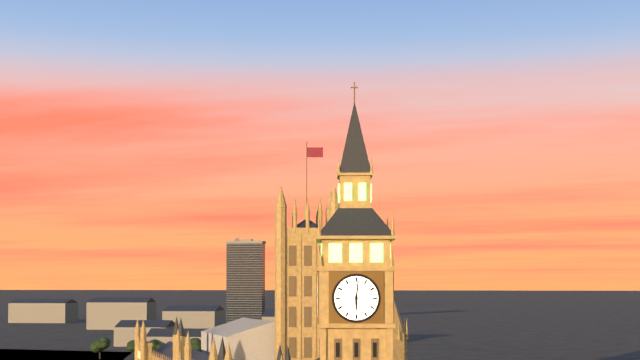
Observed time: 6h01
